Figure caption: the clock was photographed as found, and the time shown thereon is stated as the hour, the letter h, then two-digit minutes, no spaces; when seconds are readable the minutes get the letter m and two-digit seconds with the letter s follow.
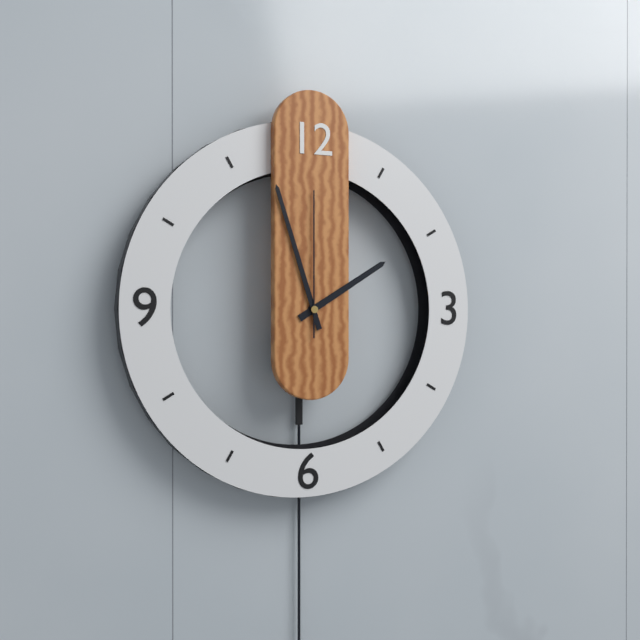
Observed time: 1h57m00s
